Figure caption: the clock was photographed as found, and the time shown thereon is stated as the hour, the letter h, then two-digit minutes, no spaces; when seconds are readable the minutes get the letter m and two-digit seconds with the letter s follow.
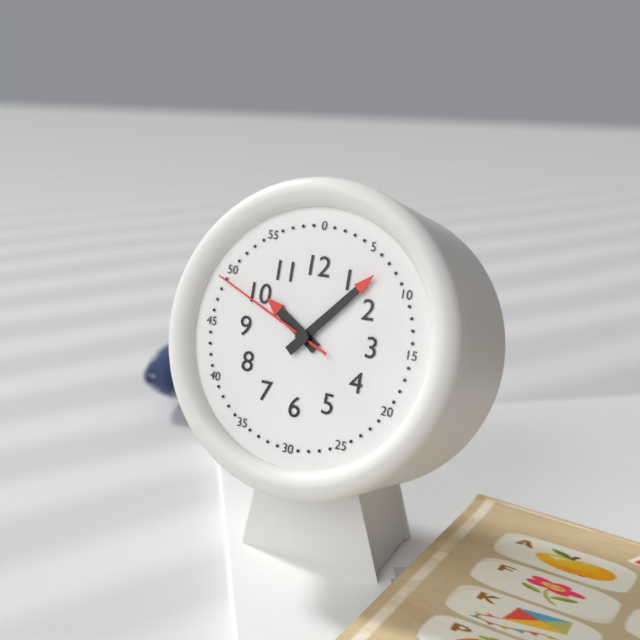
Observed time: 10h07m49s
